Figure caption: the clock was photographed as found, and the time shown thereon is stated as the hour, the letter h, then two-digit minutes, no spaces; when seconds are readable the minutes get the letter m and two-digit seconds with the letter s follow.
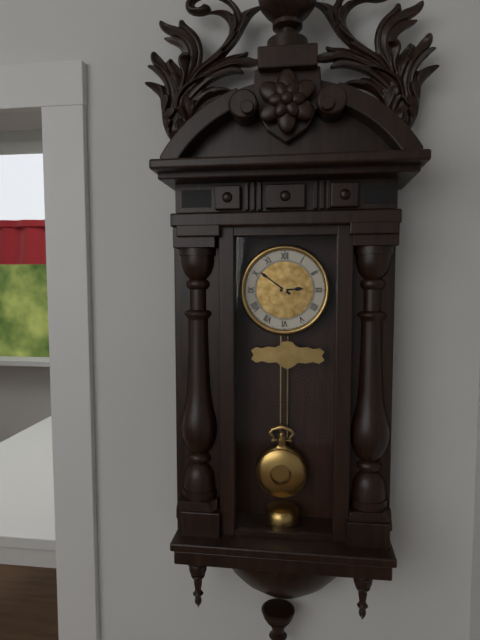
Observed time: 2h51
